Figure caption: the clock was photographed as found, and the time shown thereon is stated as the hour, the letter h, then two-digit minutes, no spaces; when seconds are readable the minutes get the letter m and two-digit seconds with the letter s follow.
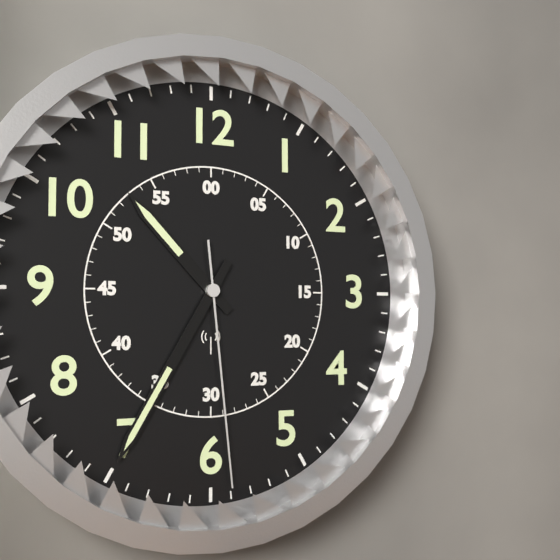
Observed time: 10h35m29s
